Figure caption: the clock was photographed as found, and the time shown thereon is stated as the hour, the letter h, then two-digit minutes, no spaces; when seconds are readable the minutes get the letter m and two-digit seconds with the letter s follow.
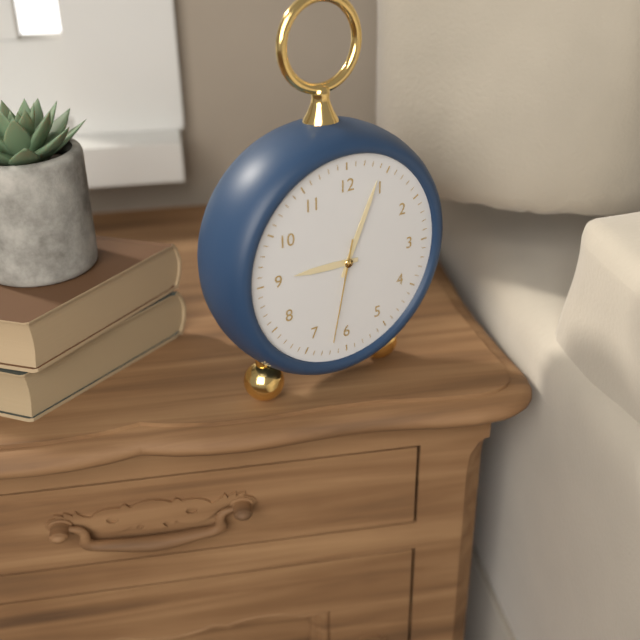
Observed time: 9h04m32s
